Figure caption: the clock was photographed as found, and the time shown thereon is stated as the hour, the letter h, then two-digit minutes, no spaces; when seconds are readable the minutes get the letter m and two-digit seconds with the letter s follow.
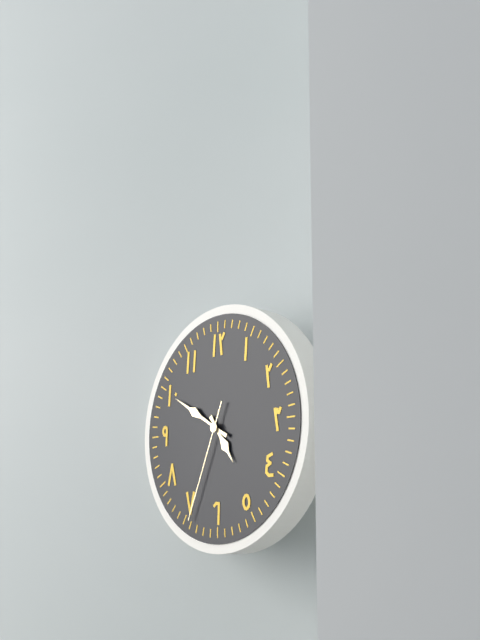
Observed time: 4h50m34s
